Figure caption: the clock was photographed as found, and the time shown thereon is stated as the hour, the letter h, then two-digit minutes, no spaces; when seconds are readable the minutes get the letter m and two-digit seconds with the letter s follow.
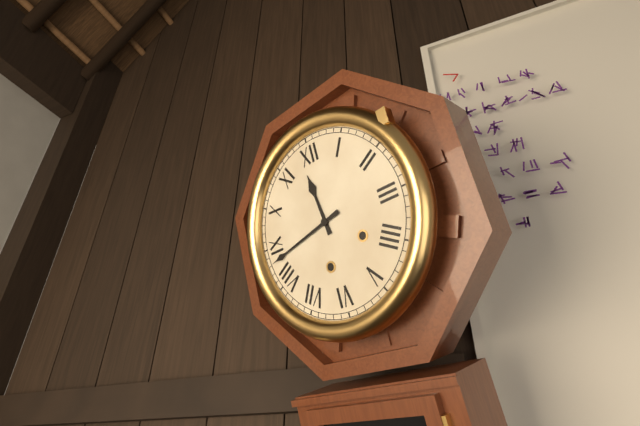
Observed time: 11h43
